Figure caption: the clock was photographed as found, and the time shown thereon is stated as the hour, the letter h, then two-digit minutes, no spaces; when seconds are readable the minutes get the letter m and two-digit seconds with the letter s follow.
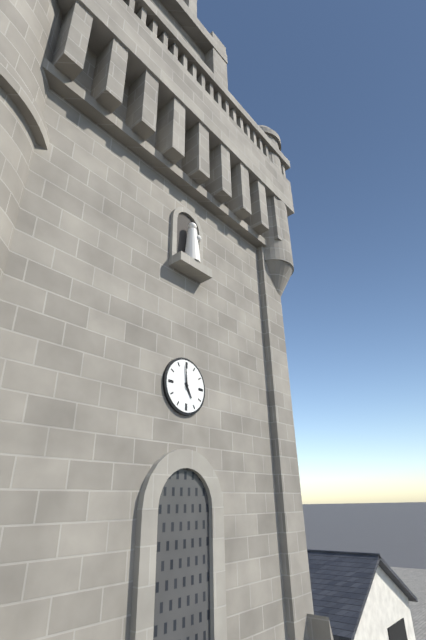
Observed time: 4h59
